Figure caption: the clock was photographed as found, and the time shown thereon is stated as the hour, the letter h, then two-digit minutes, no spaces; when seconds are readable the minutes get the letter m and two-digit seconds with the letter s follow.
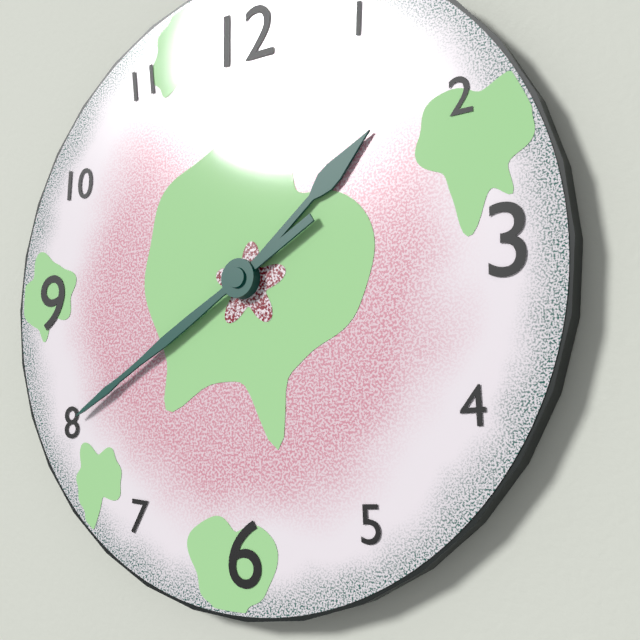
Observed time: 1h40
